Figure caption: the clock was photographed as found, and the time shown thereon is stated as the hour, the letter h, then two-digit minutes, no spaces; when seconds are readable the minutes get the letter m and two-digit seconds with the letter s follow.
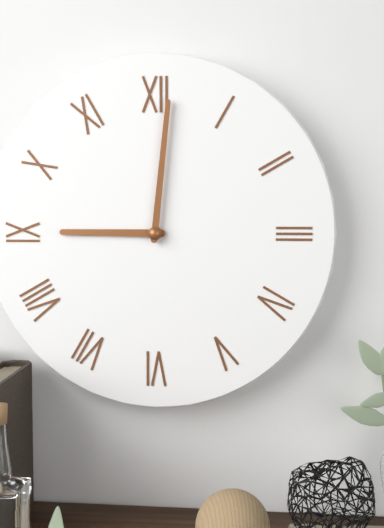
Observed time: 9h01
